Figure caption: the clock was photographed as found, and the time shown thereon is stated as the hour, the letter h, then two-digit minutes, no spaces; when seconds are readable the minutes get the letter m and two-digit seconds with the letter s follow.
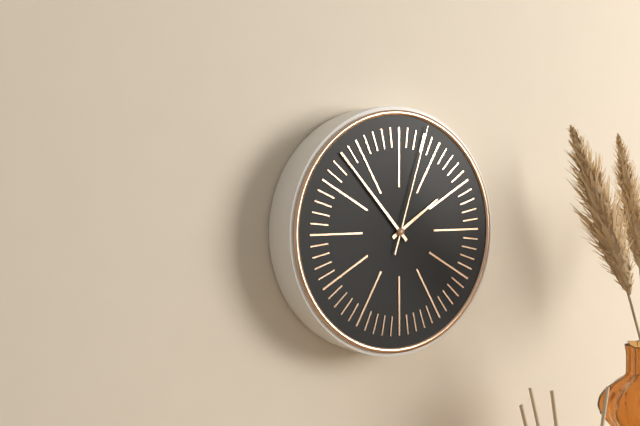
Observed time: 1h53m03s
